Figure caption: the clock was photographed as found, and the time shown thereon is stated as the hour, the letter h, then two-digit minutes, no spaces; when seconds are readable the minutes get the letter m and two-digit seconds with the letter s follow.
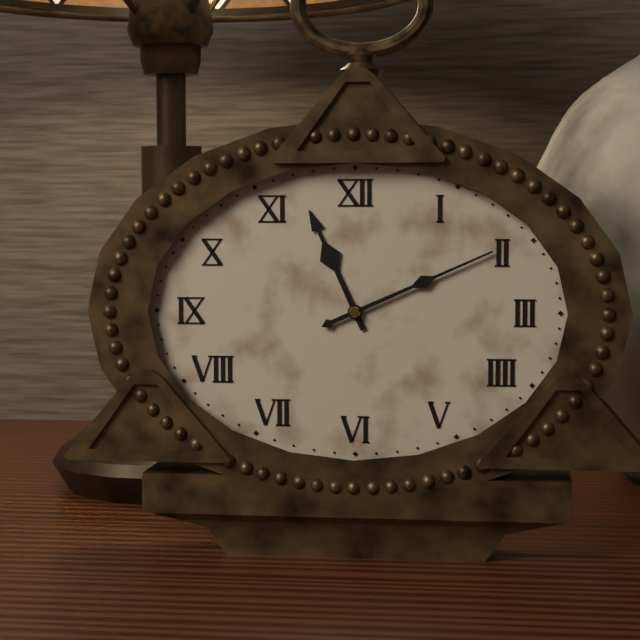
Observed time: 11h11
